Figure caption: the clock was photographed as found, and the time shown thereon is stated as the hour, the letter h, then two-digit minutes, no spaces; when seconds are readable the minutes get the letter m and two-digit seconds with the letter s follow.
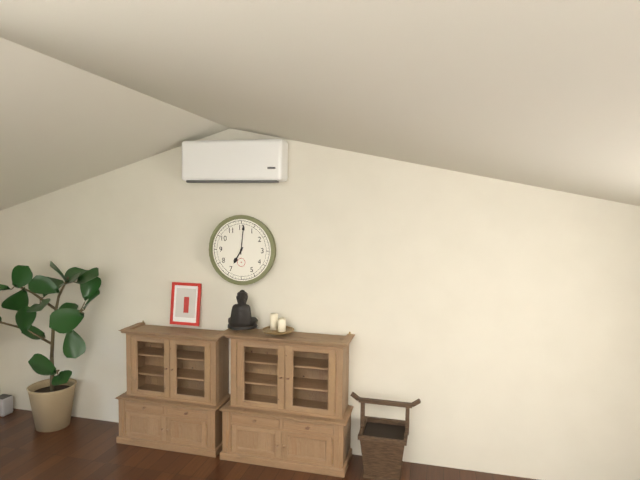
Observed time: 7h01
